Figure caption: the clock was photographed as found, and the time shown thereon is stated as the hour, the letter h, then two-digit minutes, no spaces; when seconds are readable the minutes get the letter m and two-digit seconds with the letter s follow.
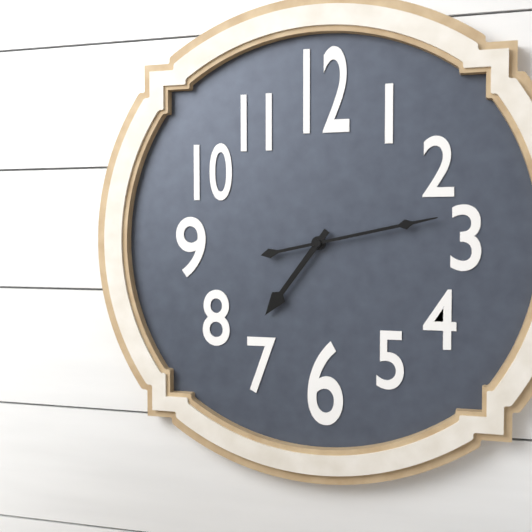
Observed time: 7h13
